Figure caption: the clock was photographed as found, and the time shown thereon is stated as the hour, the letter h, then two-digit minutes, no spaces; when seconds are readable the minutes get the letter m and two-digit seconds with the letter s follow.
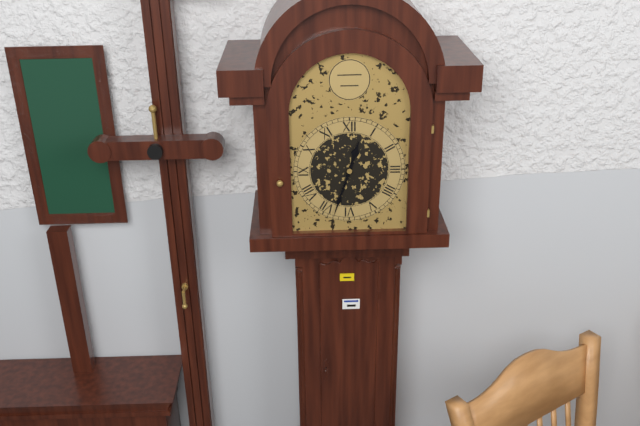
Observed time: 12h33
